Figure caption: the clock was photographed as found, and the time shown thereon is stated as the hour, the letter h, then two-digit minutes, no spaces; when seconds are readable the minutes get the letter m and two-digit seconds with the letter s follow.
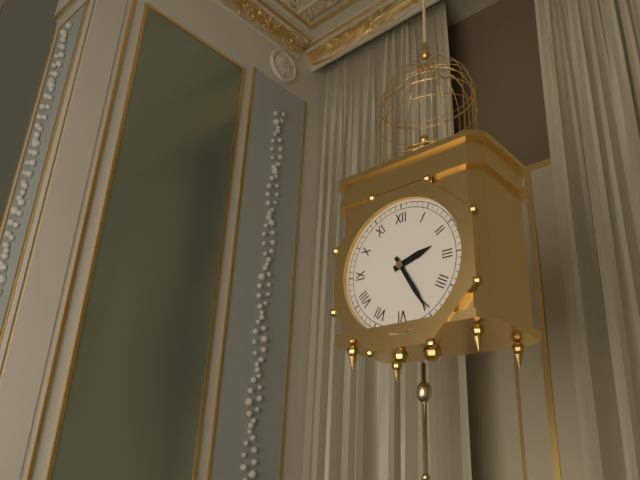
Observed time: 2h25
